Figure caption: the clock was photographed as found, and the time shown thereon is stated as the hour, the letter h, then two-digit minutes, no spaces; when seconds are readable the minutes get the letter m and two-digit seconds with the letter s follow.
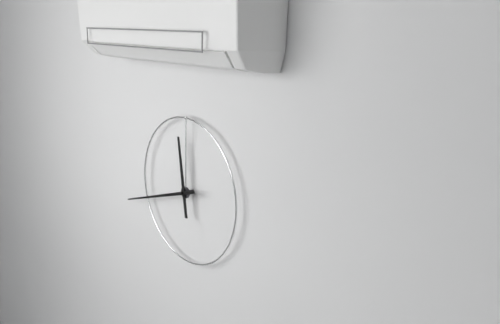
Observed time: 11h42
